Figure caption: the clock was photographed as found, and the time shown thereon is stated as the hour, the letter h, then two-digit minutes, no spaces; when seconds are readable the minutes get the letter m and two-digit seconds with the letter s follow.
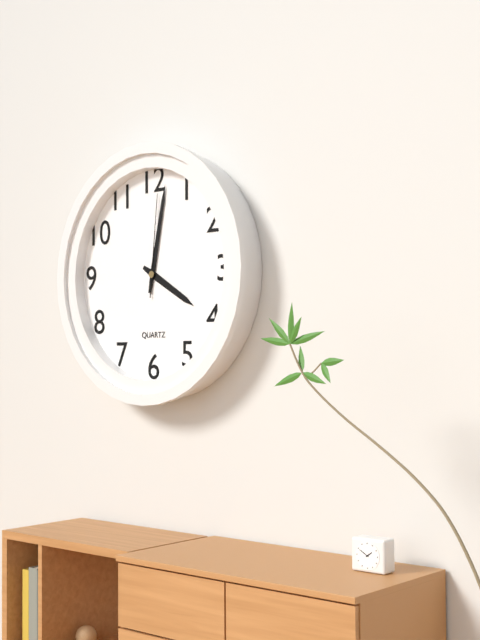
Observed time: 4h02m01s
